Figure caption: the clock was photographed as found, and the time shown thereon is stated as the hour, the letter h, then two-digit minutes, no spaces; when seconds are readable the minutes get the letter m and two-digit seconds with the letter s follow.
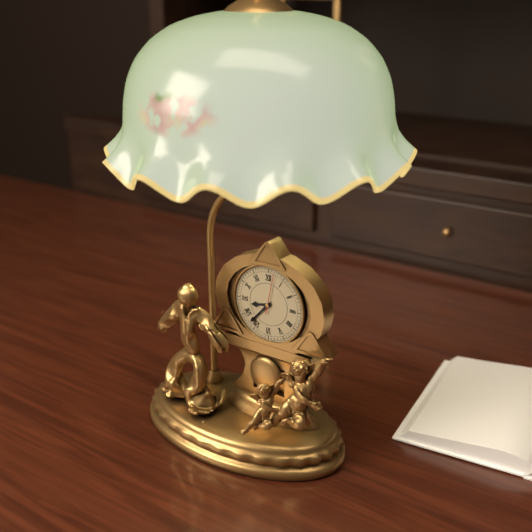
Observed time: 8h37
